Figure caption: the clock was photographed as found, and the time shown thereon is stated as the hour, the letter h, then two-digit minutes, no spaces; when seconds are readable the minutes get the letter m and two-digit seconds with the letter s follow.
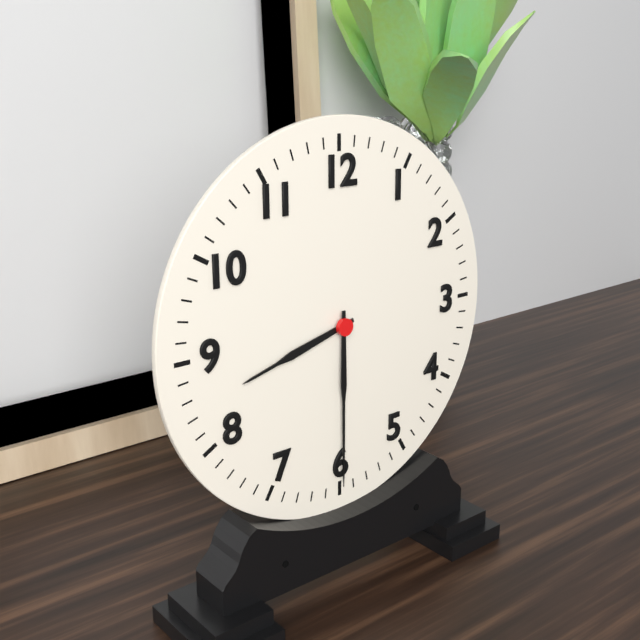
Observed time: 8h30
